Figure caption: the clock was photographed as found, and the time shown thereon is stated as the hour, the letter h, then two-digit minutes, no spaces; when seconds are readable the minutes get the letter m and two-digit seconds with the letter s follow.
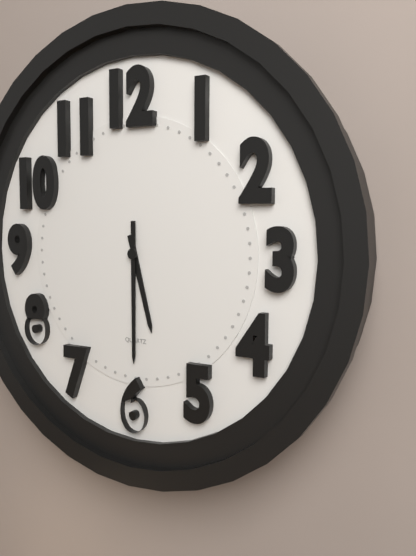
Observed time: 5h30
